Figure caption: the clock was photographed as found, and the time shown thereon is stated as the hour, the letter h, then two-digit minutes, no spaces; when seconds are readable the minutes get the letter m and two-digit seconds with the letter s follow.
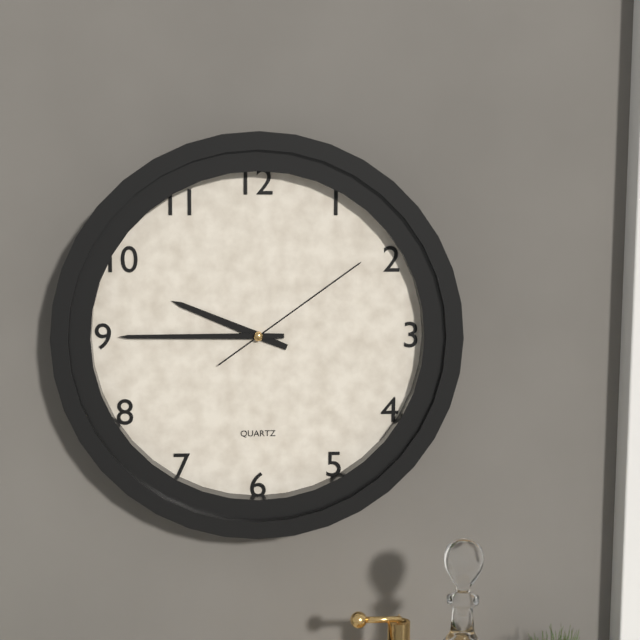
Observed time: 9h45m09s
